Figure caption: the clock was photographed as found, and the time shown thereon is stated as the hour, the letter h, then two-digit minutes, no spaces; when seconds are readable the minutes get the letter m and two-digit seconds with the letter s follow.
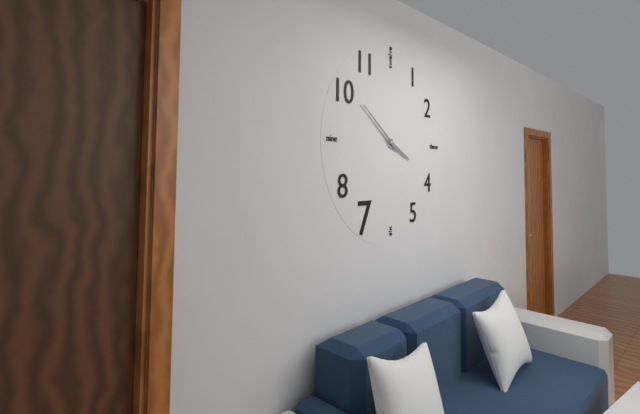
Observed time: 3h51
